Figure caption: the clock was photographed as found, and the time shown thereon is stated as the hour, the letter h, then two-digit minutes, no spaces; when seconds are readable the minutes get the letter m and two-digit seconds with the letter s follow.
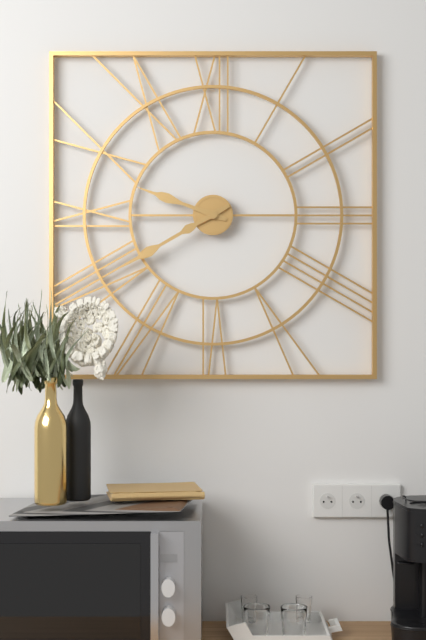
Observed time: 9h40
